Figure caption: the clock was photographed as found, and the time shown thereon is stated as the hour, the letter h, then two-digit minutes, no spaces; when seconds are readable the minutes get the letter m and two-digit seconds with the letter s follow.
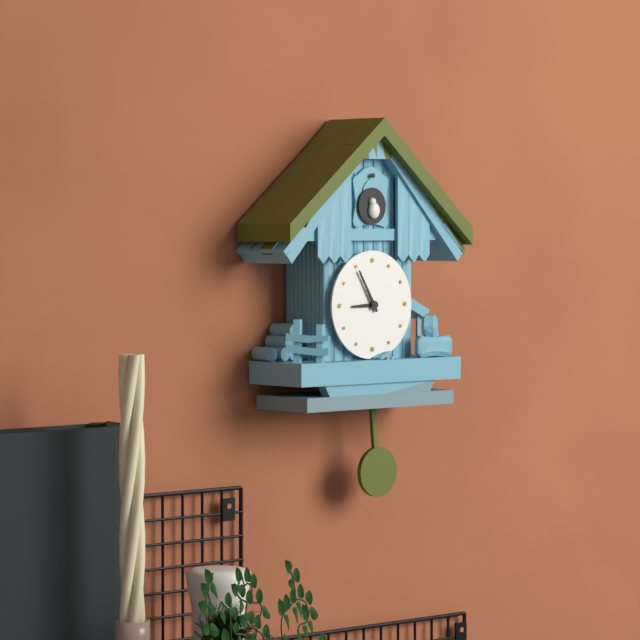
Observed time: 8h55
